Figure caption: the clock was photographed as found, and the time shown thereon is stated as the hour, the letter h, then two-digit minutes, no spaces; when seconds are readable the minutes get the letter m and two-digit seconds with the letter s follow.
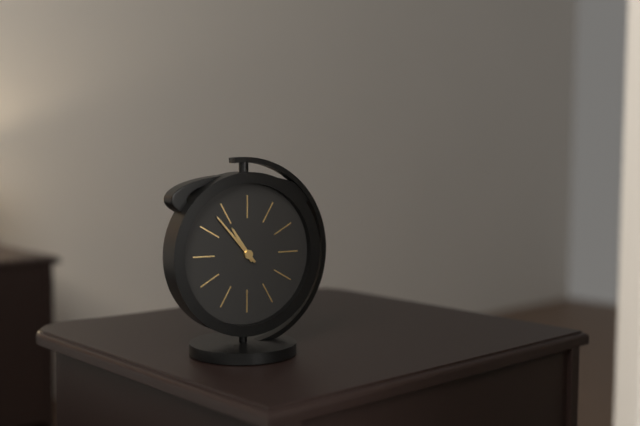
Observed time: 10h53
